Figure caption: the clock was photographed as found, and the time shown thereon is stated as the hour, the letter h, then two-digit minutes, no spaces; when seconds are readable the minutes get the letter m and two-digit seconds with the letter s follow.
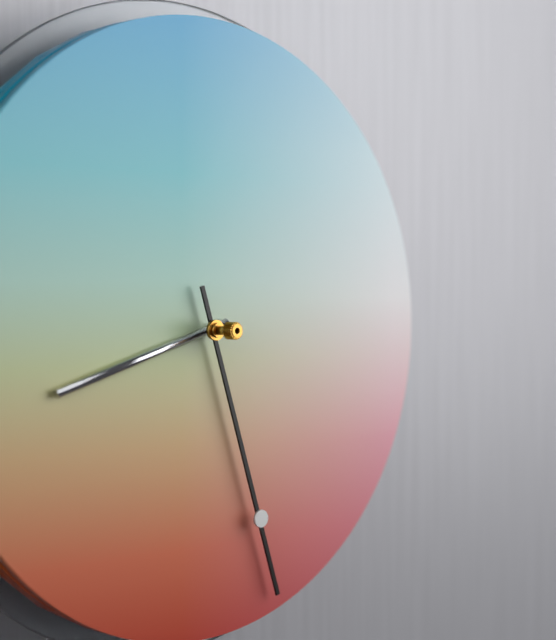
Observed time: 8h27
